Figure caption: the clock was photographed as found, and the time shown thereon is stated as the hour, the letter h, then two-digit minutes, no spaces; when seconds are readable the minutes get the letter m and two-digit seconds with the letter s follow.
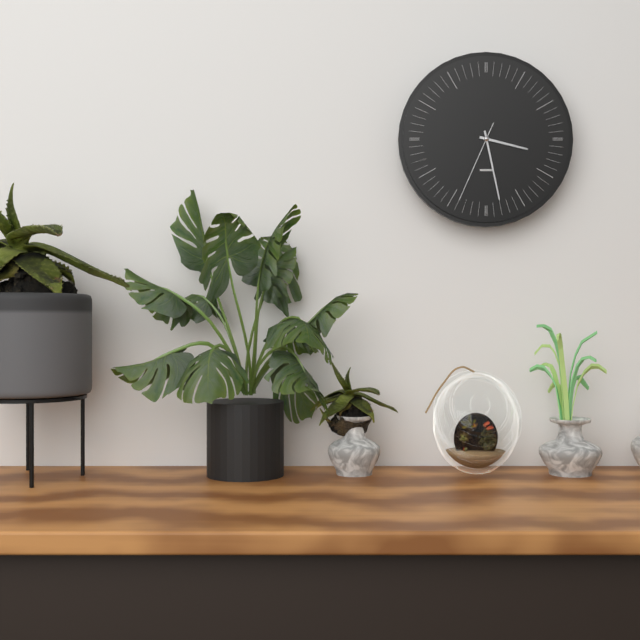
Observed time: 3h28m34s
